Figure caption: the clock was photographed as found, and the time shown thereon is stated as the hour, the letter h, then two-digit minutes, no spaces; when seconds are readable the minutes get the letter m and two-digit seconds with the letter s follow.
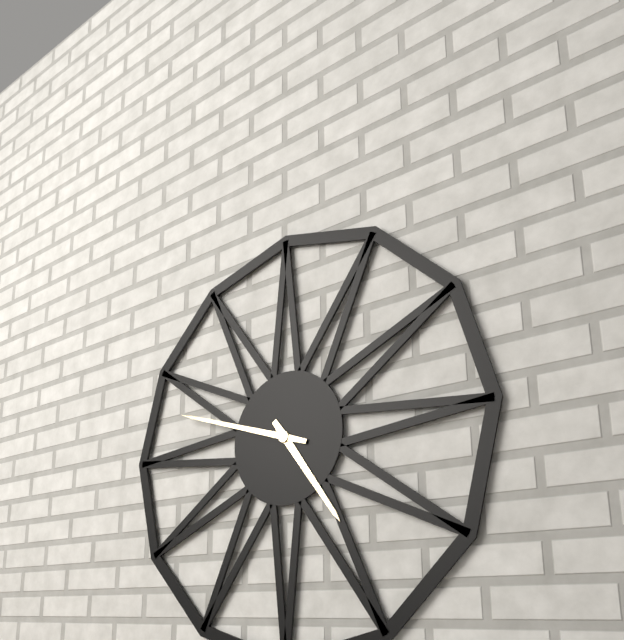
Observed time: 4h48
